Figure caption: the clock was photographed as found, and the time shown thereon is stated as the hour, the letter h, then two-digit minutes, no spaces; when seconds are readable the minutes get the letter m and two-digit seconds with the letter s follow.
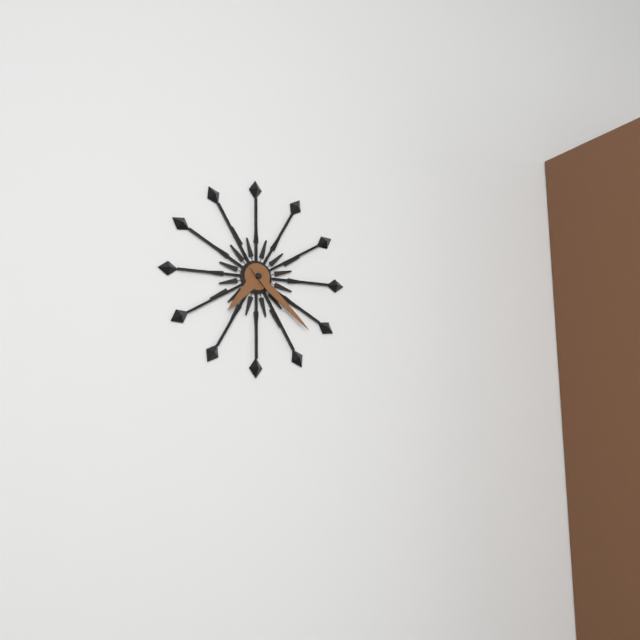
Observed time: 7h22
